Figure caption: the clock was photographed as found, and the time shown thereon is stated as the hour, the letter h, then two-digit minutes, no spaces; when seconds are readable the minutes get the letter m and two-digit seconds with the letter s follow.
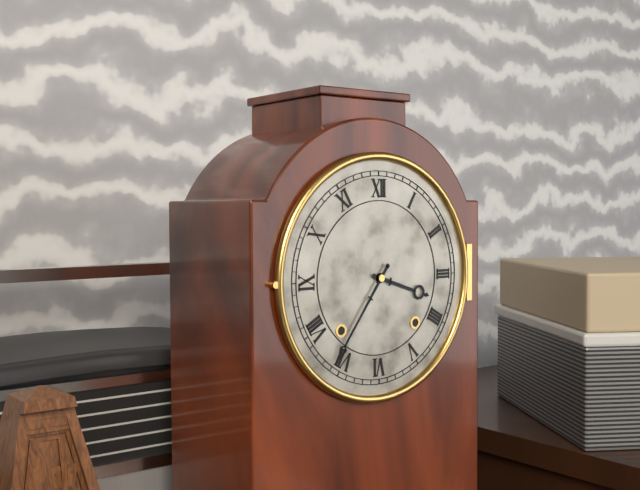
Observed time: 3h36
